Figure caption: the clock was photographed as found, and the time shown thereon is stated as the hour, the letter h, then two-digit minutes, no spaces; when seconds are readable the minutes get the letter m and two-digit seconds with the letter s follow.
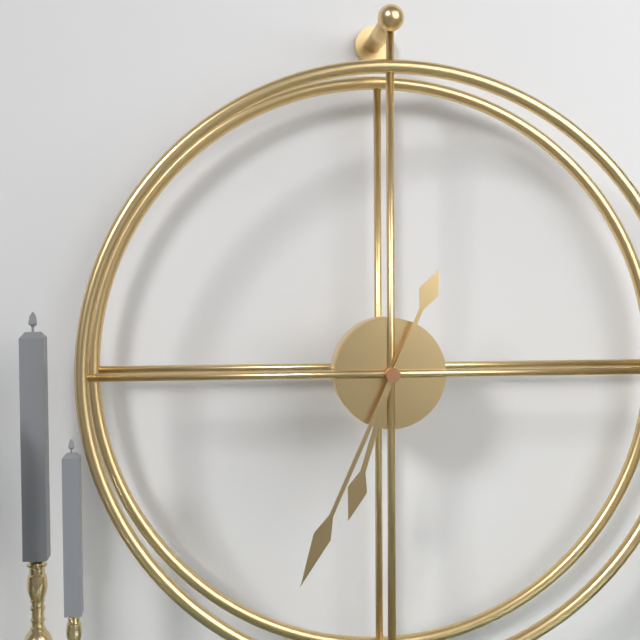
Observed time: 6h34
